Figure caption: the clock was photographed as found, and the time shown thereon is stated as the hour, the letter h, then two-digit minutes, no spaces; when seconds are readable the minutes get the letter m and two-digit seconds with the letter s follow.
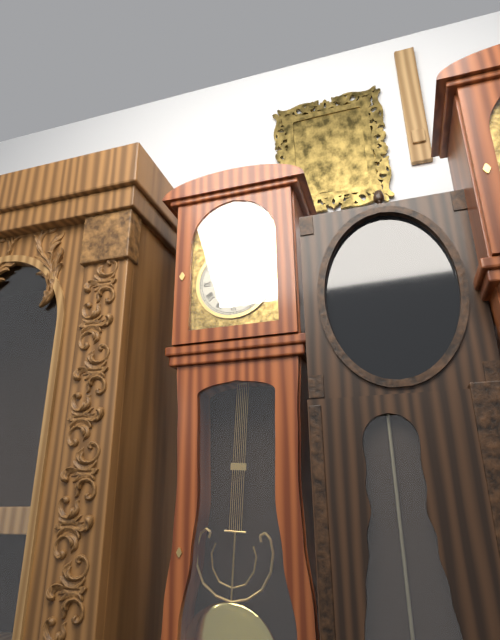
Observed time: 5h06
